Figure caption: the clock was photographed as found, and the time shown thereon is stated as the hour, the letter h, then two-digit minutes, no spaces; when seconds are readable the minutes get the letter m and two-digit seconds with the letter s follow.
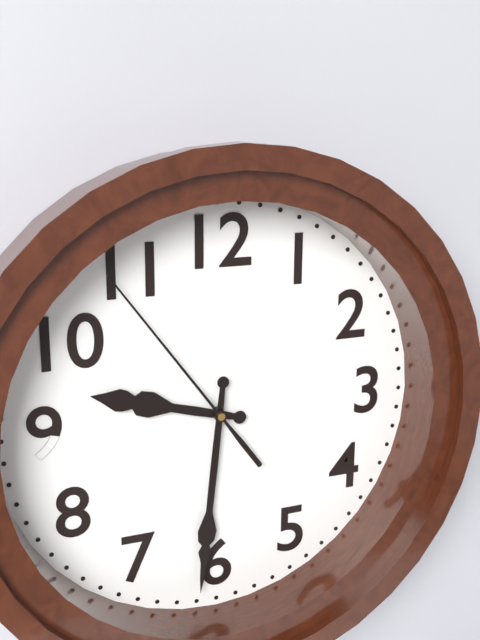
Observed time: 9h31m54s
